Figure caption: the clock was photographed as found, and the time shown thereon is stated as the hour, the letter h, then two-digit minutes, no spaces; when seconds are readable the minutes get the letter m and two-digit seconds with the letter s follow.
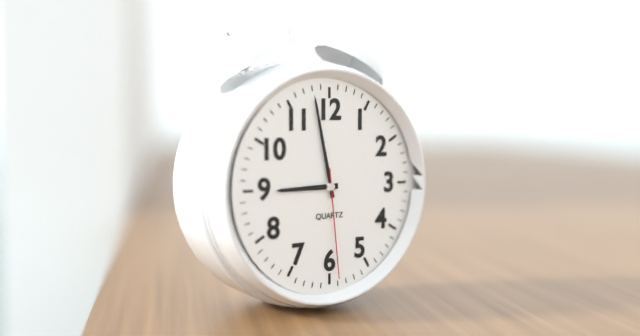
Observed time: 8h58m29s
